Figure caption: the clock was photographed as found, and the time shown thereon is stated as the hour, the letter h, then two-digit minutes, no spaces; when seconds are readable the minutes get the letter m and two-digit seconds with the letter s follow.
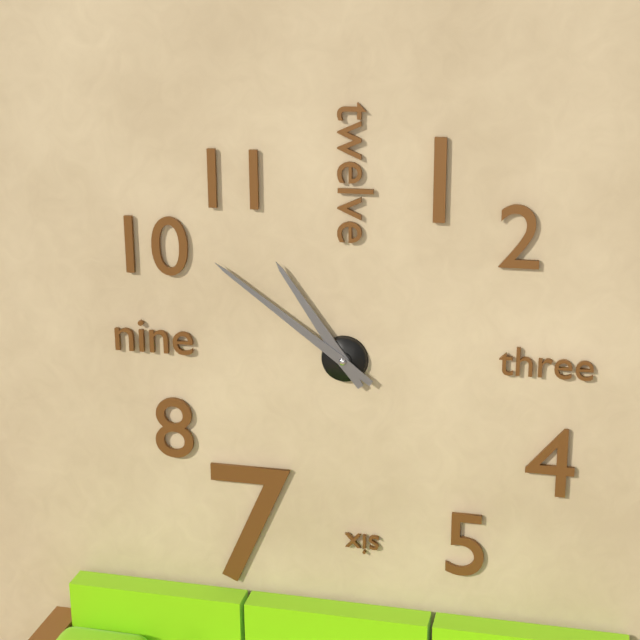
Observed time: 10h51
